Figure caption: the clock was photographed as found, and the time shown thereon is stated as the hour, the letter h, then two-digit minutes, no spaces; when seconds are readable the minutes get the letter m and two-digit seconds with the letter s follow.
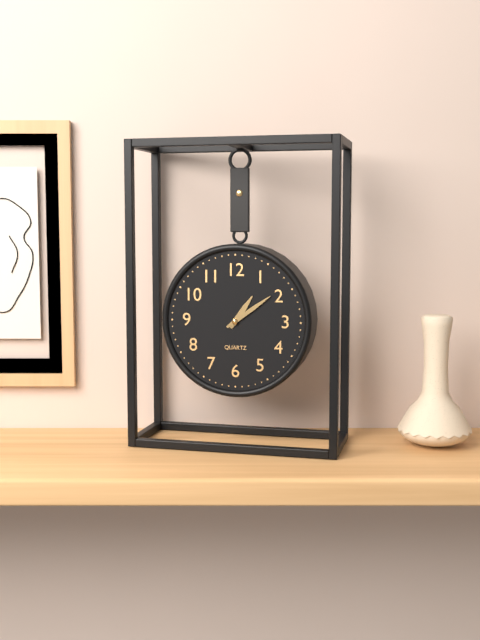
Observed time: 1h09
